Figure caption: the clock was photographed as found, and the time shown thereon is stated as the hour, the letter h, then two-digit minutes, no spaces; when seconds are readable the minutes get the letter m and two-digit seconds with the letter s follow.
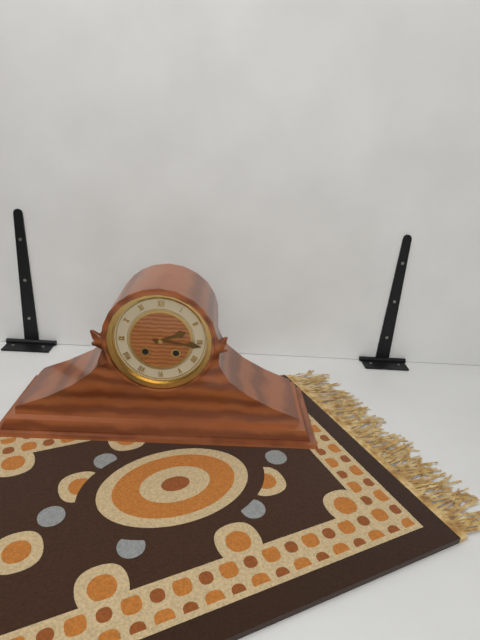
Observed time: 2h16
